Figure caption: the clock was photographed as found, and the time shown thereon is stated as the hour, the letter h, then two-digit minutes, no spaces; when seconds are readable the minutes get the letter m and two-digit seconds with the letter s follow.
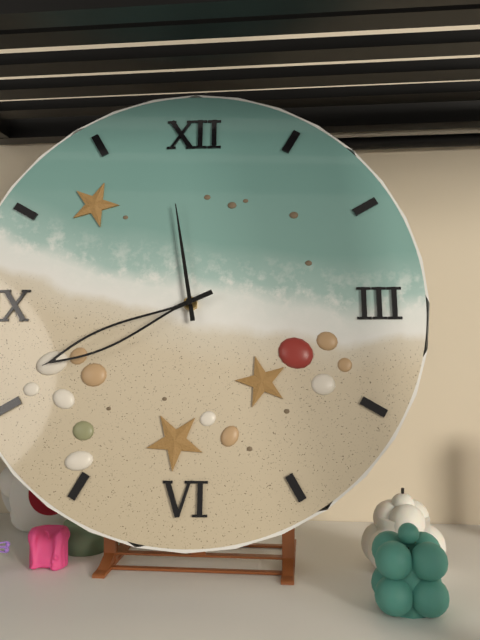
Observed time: 11h41
